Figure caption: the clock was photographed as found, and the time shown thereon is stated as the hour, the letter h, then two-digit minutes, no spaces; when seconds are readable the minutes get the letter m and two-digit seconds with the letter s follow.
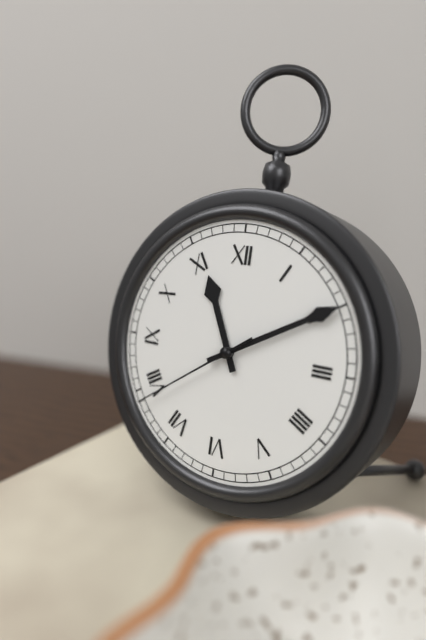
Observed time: 11h10m39s
